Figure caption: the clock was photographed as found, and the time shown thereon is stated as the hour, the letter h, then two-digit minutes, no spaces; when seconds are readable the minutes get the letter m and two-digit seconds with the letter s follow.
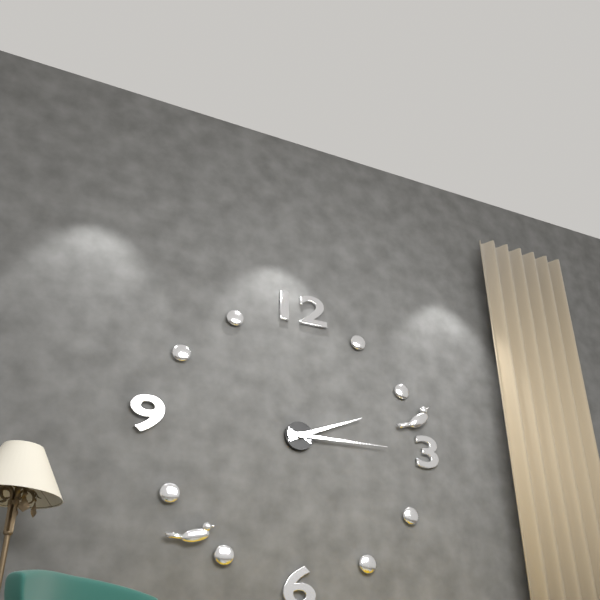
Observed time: 2h15
